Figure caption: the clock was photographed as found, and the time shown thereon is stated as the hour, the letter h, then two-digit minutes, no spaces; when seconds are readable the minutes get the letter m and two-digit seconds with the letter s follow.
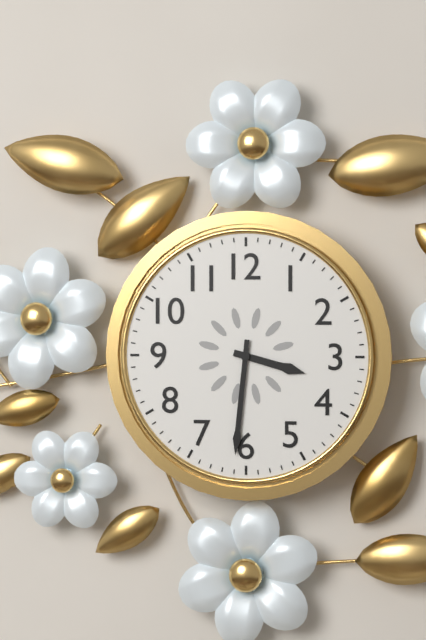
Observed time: 3h31
